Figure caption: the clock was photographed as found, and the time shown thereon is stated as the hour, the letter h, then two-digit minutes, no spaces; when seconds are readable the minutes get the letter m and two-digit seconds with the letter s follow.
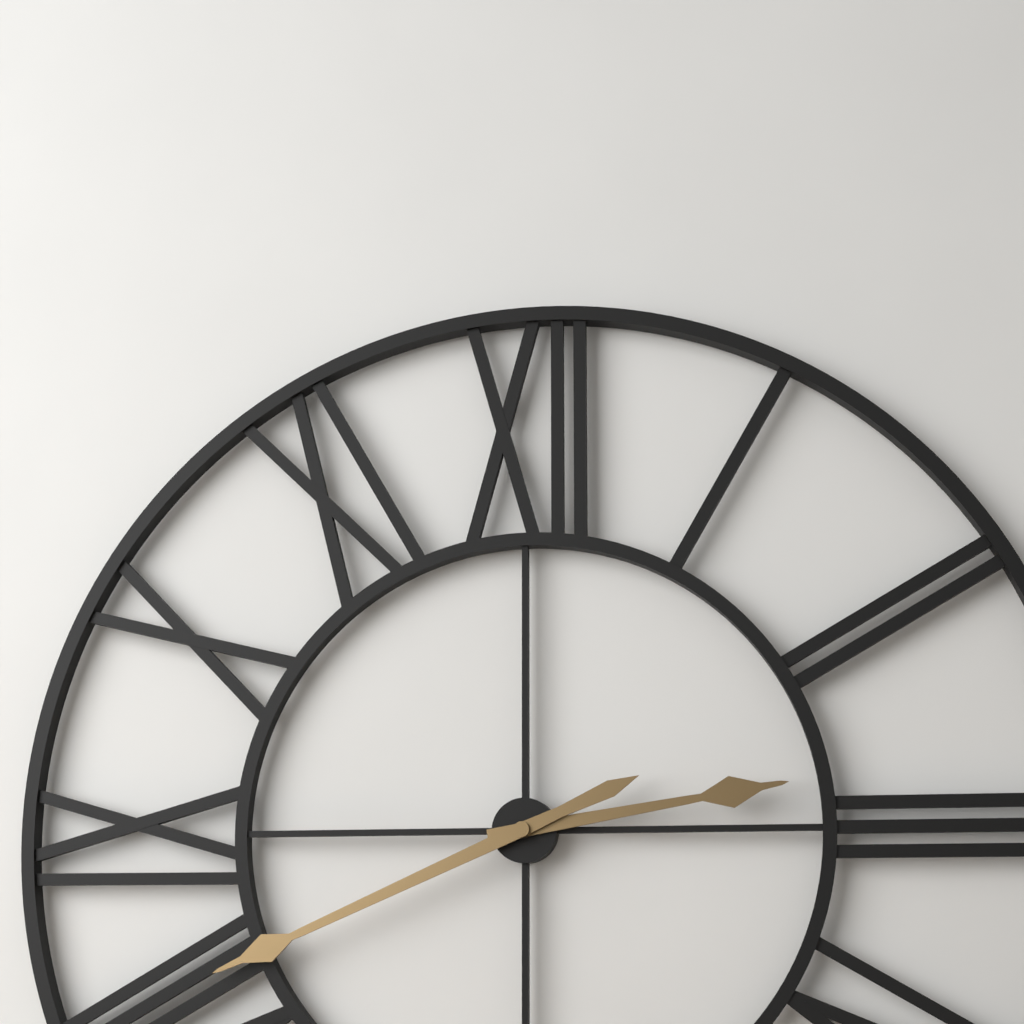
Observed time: 2h41
